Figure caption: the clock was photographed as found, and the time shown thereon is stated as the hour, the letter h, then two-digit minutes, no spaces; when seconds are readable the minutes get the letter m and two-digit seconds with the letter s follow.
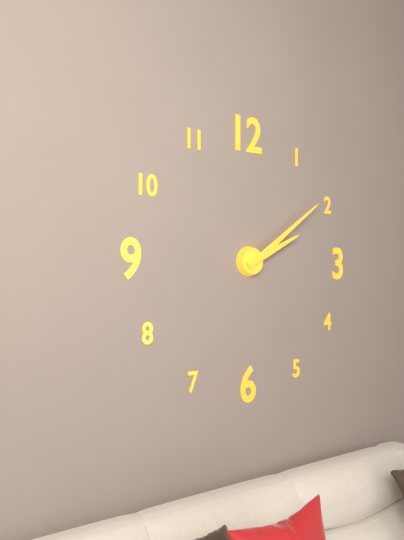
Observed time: 2h09
